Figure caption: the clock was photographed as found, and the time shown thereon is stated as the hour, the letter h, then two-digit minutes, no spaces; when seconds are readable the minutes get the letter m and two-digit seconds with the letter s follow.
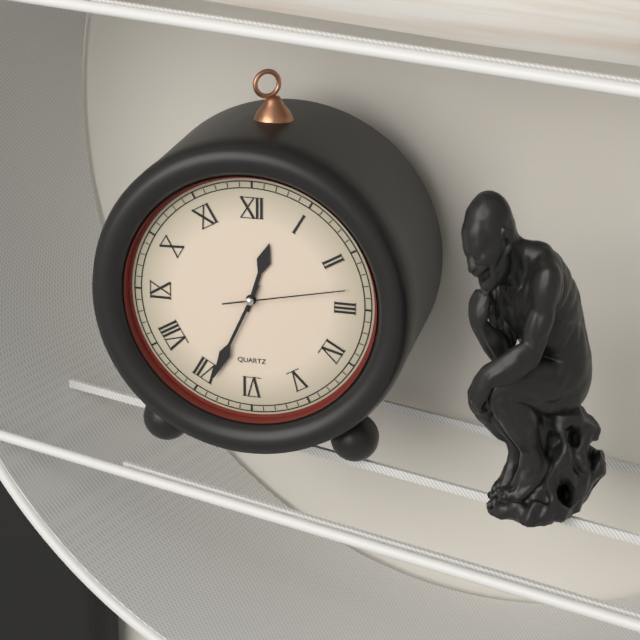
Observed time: 12h34m13s
